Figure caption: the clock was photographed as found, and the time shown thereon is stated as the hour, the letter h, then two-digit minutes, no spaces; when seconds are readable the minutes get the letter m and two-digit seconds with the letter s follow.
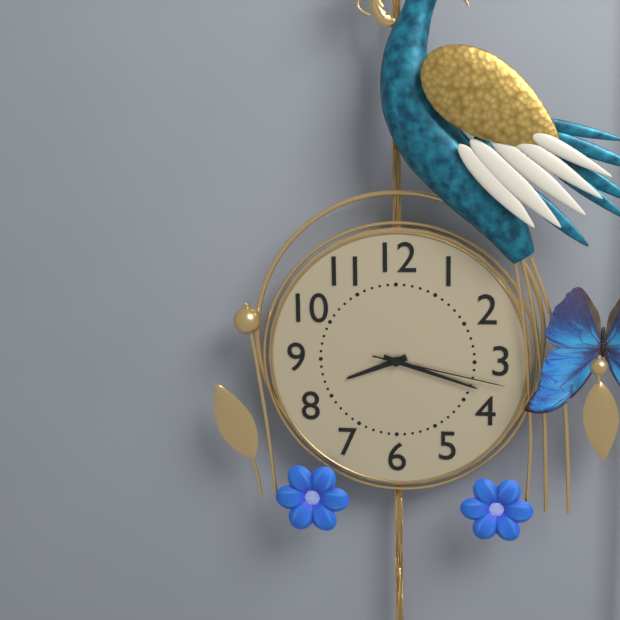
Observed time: 8h18m17s
